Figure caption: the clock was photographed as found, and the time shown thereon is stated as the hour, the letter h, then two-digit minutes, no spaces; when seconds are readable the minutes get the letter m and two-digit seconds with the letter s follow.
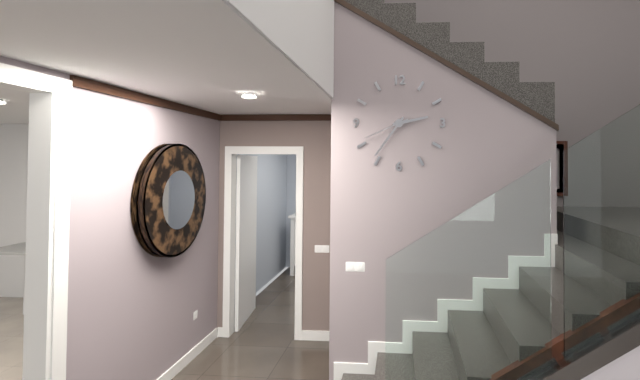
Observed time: 2h36
